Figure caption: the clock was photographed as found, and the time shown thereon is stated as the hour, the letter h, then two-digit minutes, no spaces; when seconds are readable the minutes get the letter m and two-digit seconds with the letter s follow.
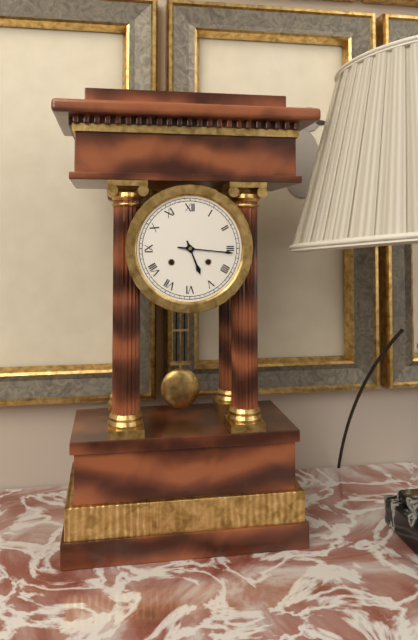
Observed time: 5h16
